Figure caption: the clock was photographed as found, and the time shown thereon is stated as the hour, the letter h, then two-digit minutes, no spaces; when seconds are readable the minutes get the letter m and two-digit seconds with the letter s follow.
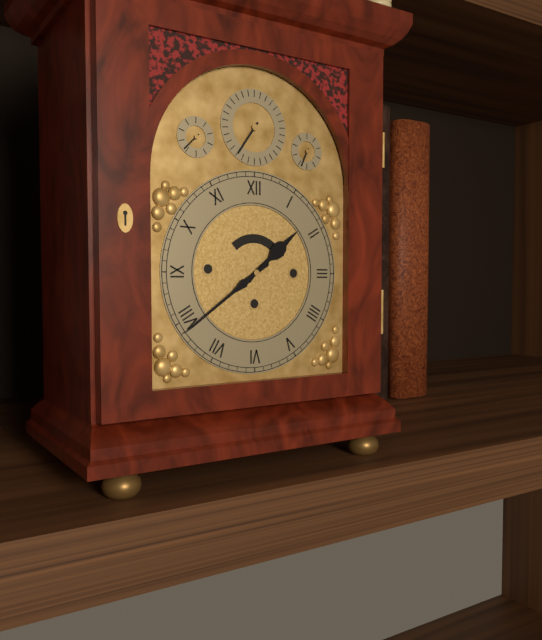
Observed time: 1h39
